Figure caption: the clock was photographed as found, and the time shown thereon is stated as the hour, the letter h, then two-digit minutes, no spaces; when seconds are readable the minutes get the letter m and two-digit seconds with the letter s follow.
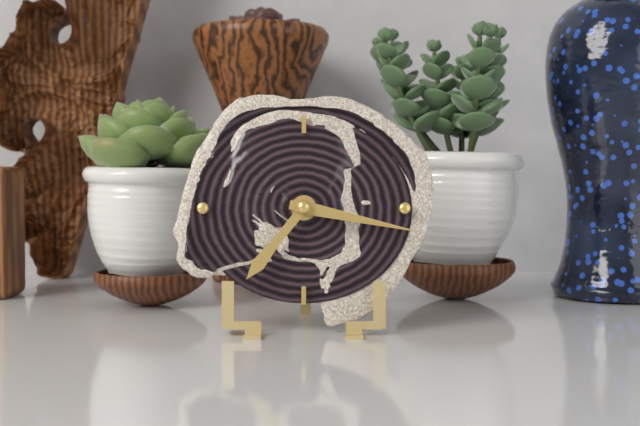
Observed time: 7h17
